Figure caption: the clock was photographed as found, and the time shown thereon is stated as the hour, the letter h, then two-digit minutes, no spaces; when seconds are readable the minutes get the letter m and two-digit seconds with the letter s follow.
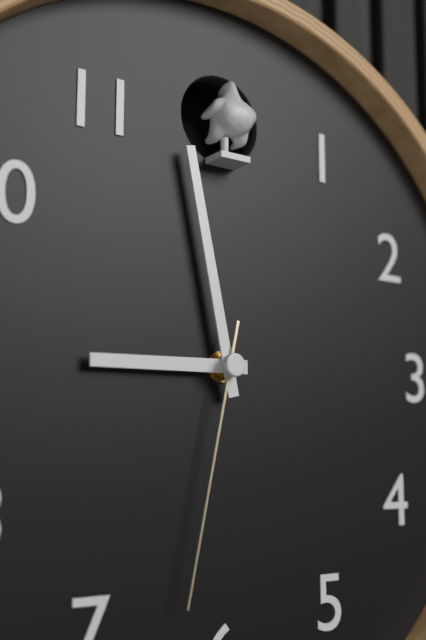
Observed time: 8h58m32s
